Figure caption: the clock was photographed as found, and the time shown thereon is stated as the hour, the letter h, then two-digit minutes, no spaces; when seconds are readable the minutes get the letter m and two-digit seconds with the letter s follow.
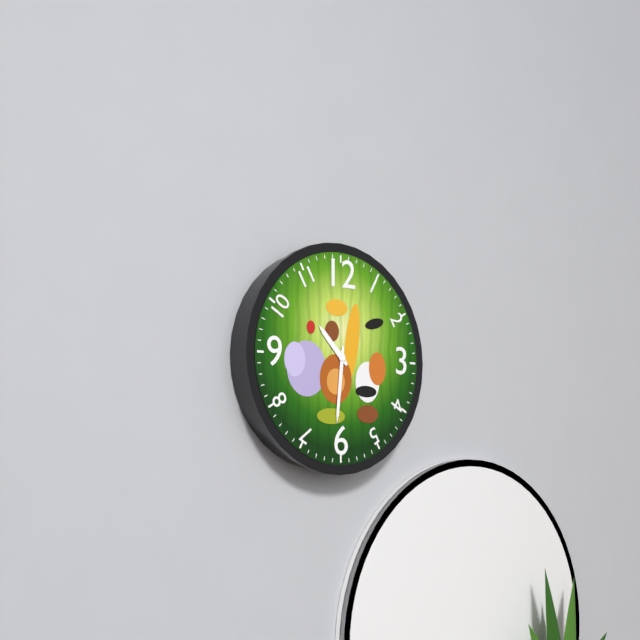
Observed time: 10h31
